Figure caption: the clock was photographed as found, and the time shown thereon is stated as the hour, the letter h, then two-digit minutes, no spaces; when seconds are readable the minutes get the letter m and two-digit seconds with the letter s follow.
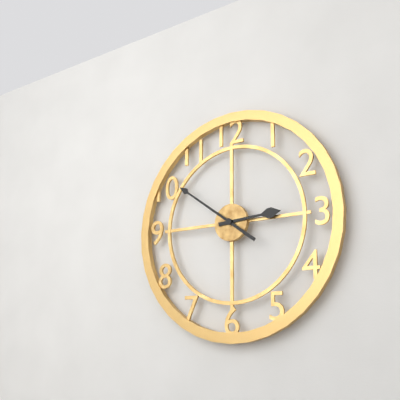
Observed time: 2h51
